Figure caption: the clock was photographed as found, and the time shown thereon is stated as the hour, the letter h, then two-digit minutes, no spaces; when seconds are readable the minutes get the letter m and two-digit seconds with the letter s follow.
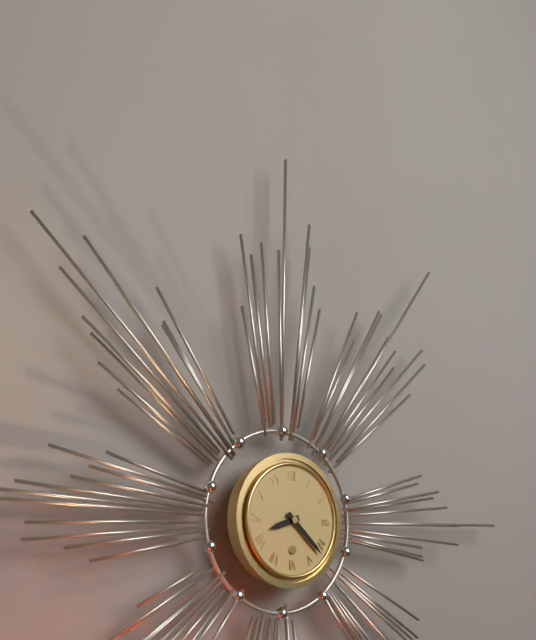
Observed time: 8h22
